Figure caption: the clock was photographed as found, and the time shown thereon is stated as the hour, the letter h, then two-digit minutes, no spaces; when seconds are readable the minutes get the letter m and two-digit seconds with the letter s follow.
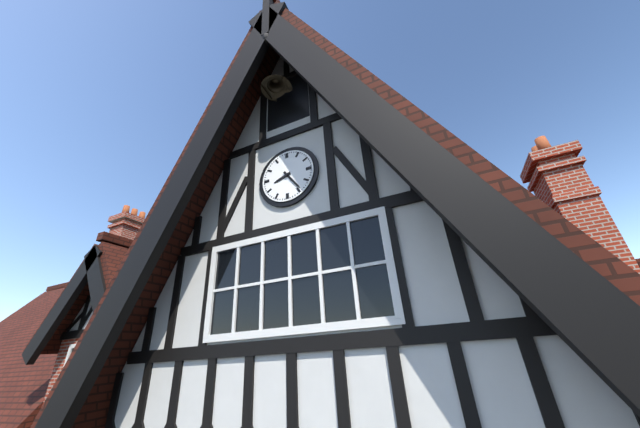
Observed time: 8h24
